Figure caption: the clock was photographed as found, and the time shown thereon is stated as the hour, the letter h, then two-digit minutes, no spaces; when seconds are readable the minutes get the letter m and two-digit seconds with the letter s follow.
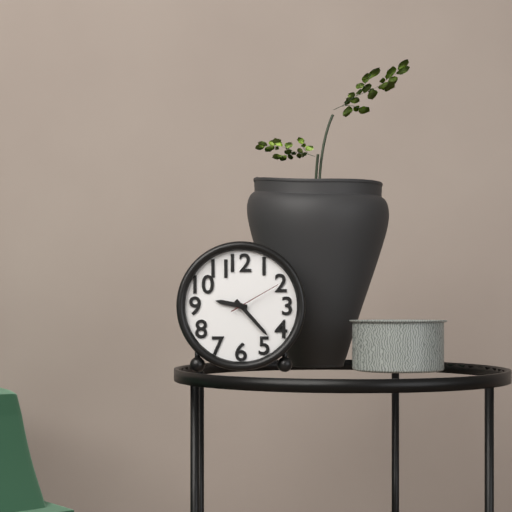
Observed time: 9h23m10s
